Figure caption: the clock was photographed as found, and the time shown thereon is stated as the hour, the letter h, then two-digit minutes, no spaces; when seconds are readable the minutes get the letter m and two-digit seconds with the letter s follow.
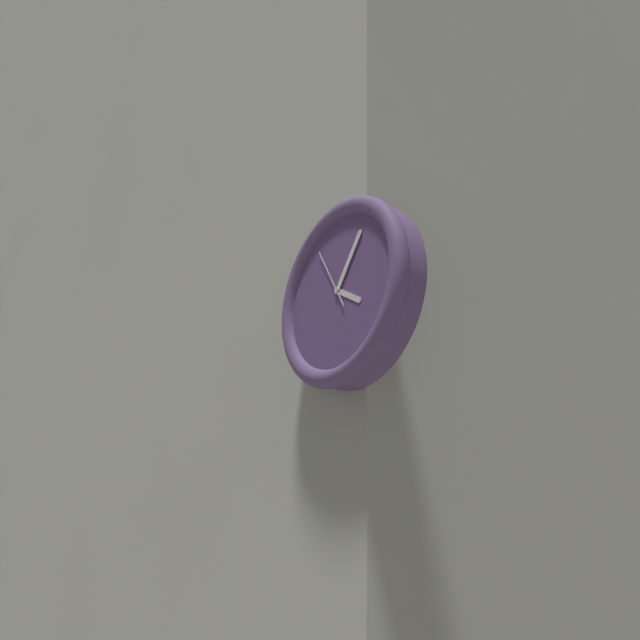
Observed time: 4h06m55s
